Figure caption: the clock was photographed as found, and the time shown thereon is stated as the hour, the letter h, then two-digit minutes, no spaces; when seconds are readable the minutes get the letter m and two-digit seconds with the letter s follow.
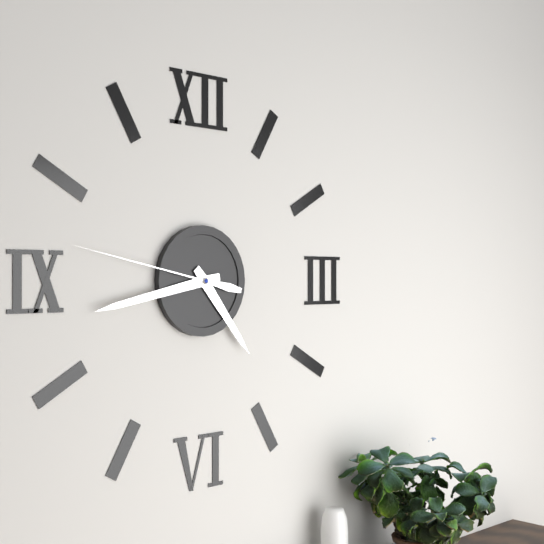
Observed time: 4h43m47s
